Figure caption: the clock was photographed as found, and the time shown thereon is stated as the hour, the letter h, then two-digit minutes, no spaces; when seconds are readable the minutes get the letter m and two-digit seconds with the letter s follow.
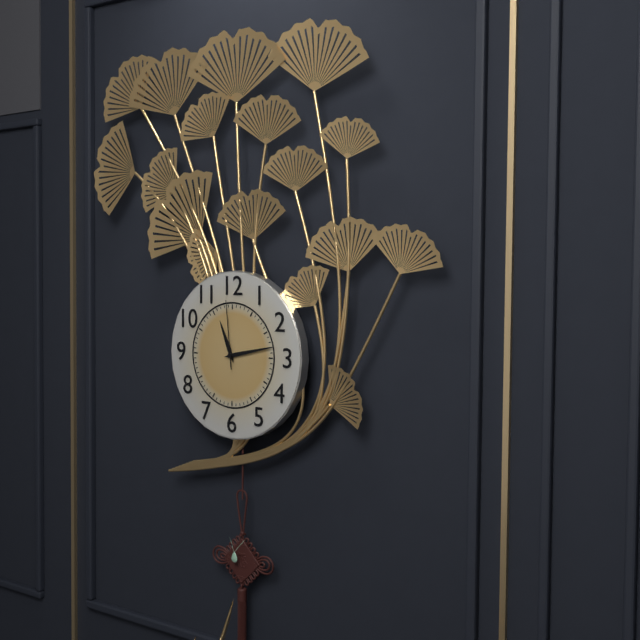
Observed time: 11h13m59s
